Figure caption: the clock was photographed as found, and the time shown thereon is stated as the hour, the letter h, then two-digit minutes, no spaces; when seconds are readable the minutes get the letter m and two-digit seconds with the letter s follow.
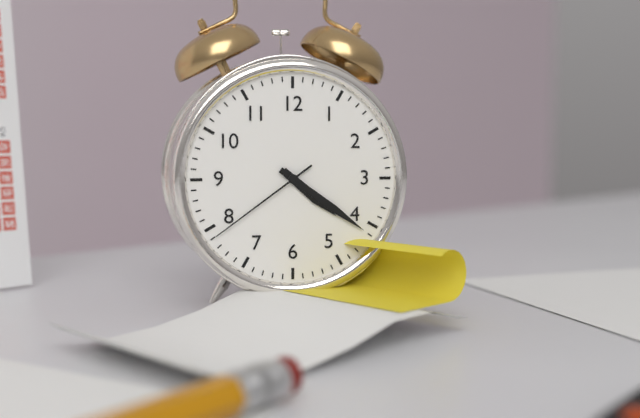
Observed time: 4h21m39s
